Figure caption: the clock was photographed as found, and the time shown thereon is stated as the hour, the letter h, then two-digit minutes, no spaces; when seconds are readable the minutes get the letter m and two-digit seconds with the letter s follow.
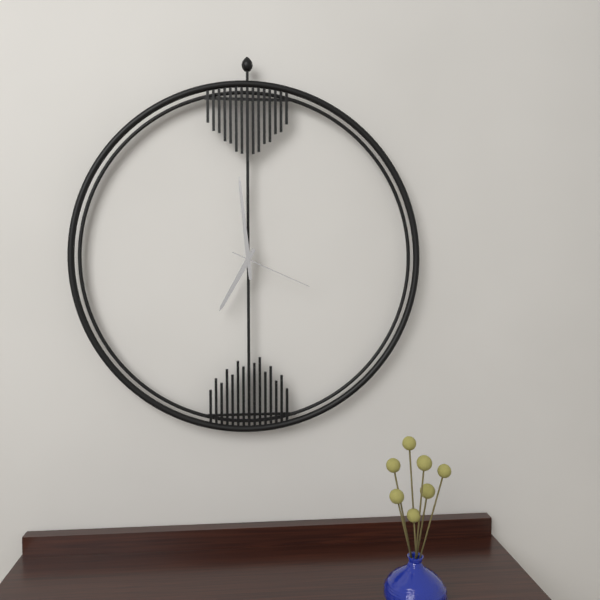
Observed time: 6h59m19s
